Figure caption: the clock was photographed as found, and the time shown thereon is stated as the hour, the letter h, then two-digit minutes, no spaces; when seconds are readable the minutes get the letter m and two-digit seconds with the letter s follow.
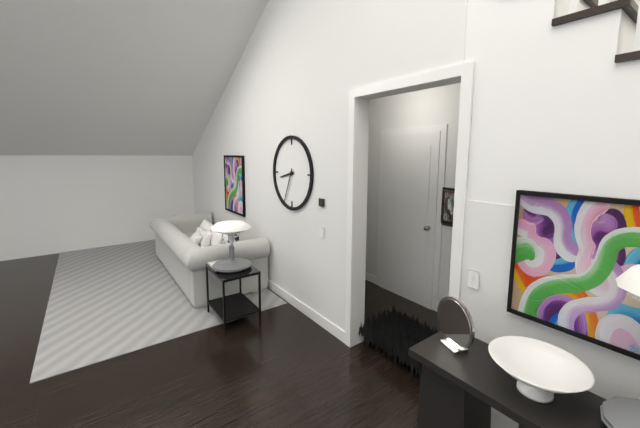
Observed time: 8h34
